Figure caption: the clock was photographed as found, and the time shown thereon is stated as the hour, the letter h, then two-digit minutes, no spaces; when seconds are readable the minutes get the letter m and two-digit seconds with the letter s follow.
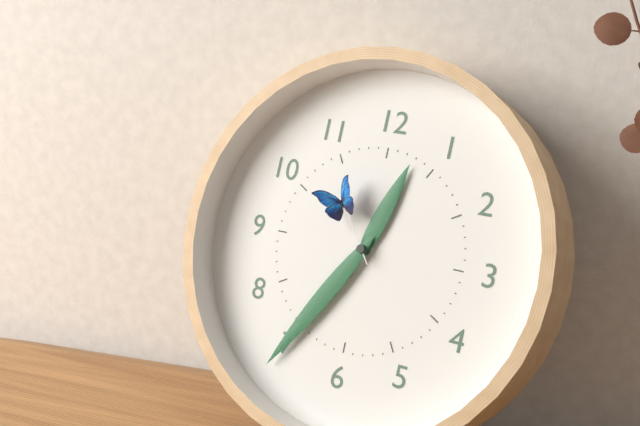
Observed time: 12h35m54s
